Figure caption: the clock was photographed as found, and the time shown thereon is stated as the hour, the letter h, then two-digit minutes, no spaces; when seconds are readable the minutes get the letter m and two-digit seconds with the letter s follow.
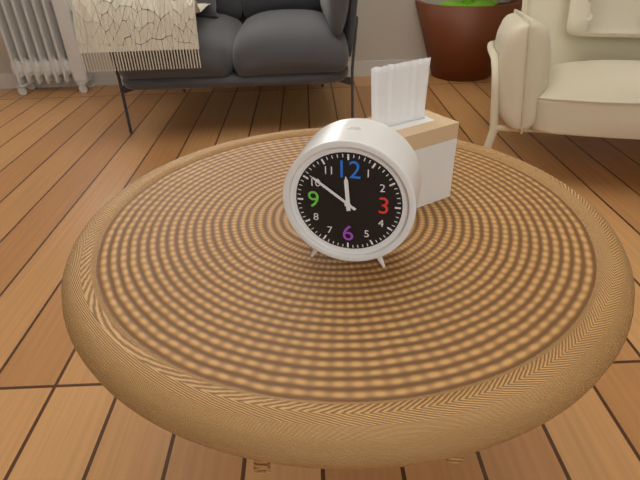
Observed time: 11h51
